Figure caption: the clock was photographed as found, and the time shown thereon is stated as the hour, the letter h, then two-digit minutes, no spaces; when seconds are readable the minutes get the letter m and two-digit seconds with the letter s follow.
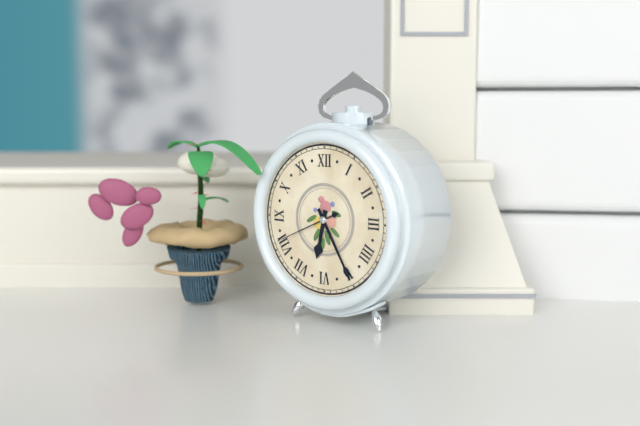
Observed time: 6h25m41s
